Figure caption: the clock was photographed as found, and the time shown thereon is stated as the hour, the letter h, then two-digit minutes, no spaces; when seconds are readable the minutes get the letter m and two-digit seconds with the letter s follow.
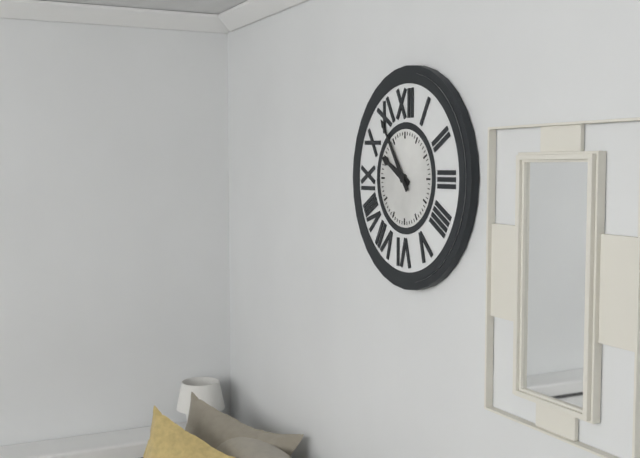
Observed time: 9h54
